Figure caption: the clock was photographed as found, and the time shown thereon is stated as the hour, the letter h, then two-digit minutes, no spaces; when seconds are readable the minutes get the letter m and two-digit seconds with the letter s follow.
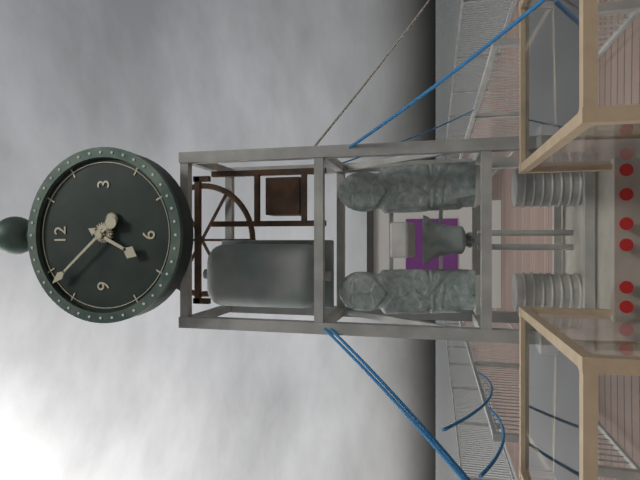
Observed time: 6h53
